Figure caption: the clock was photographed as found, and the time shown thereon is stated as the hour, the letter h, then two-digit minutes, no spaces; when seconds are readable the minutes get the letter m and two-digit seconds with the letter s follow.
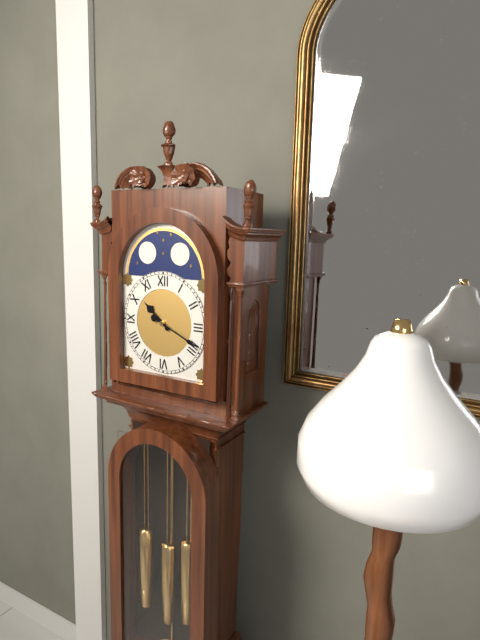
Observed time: 10h19
